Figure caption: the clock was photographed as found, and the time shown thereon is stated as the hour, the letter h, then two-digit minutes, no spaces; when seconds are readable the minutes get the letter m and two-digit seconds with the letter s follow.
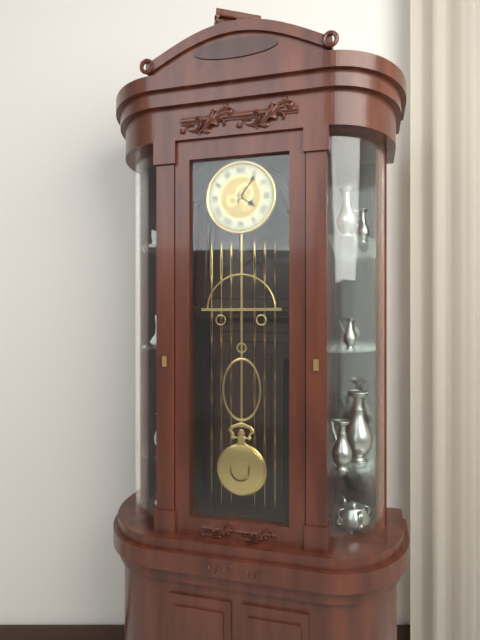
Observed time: 4h06
